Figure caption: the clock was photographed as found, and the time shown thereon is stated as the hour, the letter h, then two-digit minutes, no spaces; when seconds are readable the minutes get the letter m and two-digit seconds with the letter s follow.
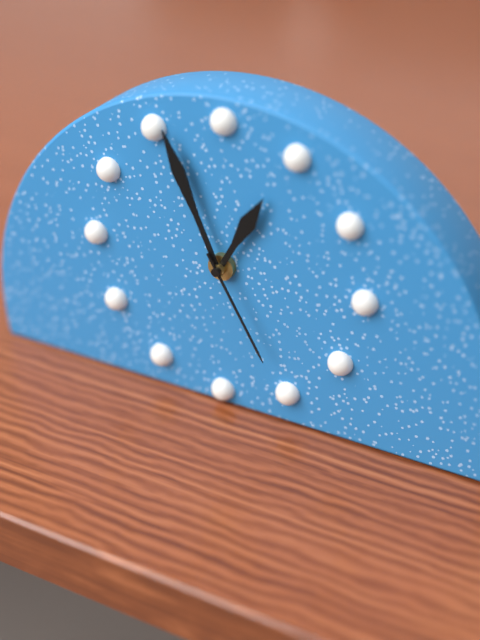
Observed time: 12h56m25s
